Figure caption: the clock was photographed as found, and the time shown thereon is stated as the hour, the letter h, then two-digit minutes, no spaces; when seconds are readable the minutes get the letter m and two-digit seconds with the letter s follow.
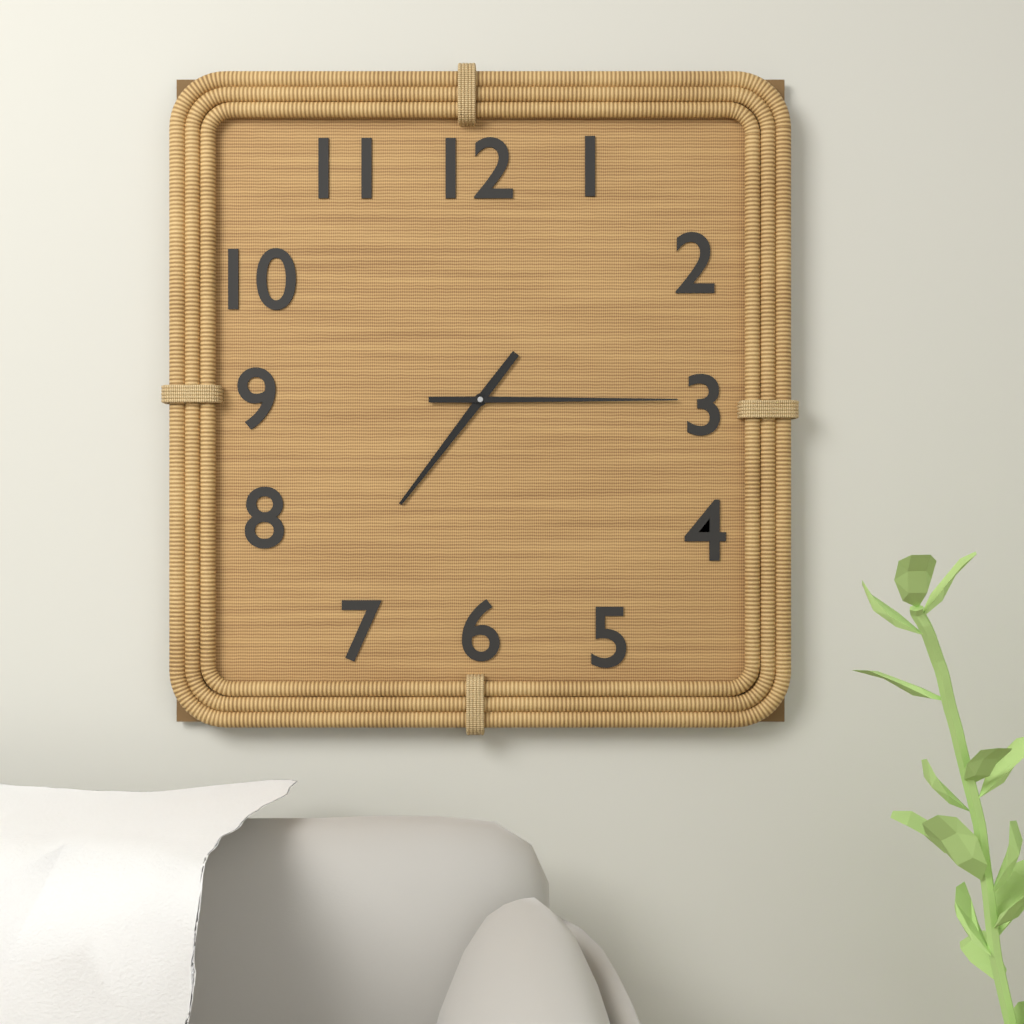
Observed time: 7h15
